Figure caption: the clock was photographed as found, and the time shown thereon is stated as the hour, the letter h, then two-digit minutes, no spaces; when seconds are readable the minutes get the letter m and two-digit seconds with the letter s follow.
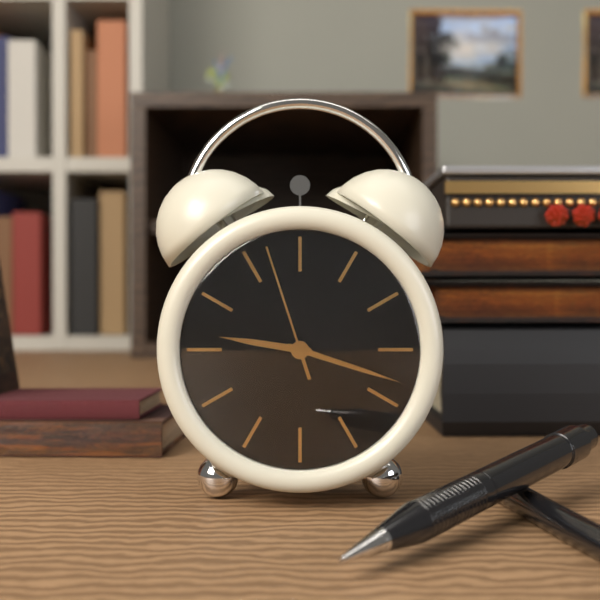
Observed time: 9h18m57s
